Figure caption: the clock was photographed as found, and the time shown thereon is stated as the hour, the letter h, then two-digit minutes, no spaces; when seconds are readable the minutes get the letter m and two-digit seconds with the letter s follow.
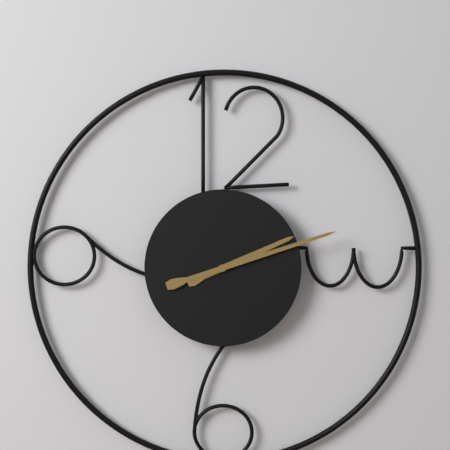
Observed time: 2h12
